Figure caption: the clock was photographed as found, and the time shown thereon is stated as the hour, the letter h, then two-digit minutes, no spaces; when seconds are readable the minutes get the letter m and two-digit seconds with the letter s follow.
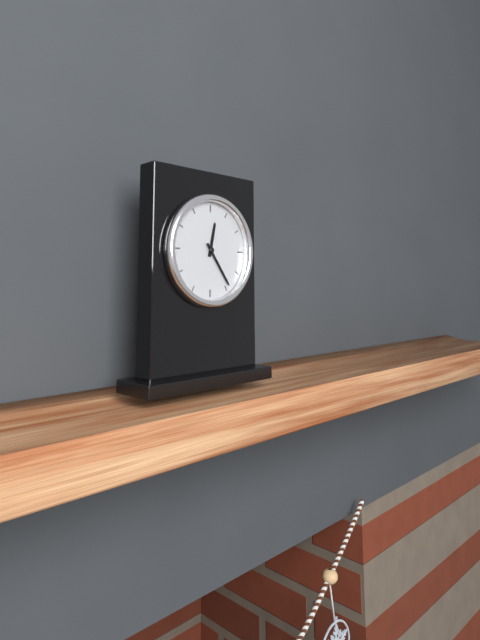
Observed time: 12h24
